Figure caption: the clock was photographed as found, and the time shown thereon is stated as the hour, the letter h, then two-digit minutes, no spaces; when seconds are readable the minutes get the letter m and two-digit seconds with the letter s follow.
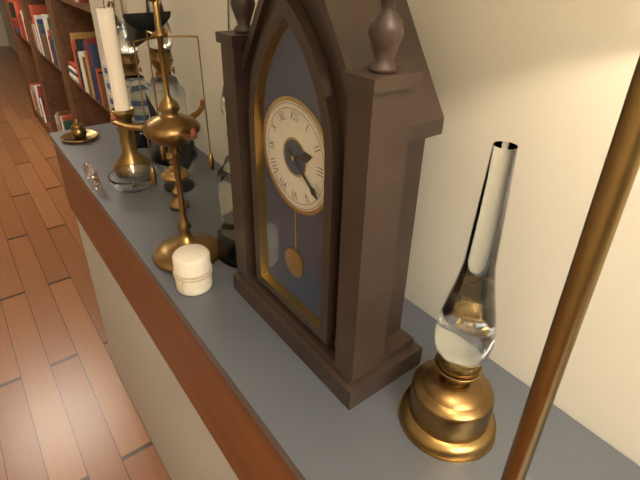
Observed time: 2h21
